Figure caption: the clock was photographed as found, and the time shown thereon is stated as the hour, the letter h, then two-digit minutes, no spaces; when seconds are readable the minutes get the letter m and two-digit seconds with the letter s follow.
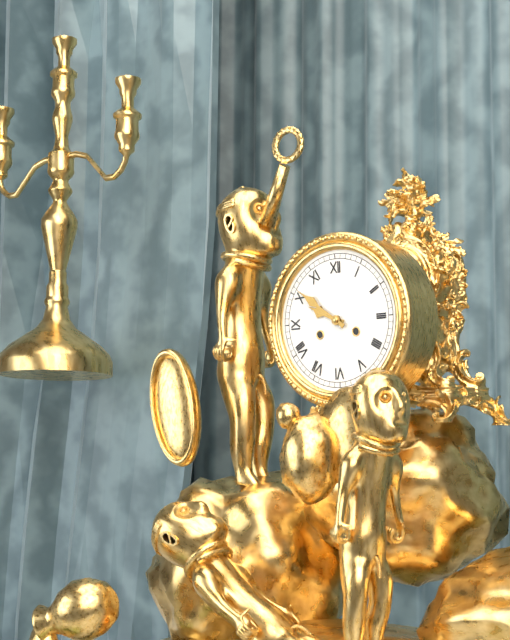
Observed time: 9h51
